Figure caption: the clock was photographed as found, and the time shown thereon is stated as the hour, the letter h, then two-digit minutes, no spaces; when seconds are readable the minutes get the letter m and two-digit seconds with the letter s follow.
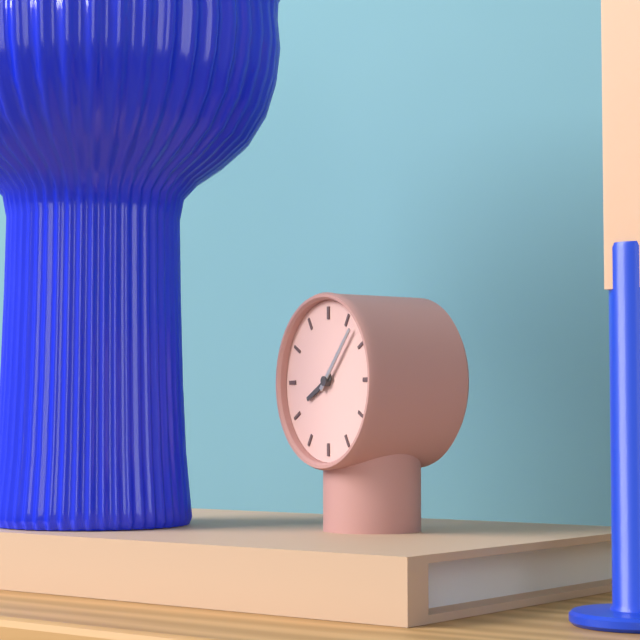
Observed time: 8h07
